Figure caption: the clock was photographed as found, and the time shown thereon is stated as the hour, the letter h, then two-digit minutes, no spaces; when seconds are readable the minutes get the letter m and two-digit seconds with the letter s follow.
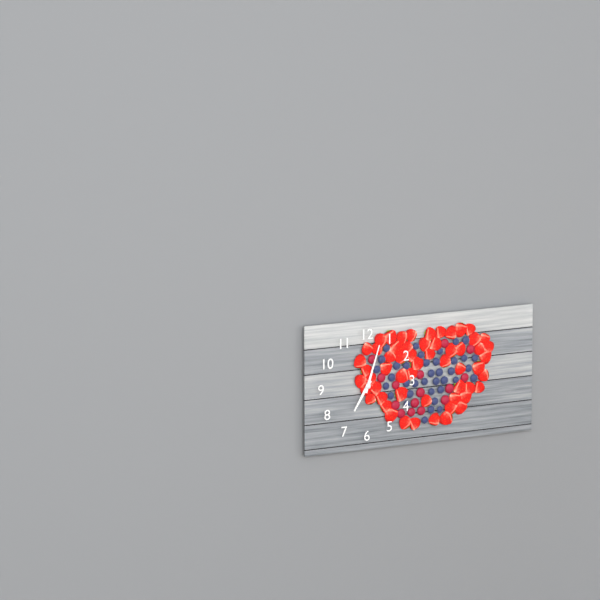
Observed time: 7h03
